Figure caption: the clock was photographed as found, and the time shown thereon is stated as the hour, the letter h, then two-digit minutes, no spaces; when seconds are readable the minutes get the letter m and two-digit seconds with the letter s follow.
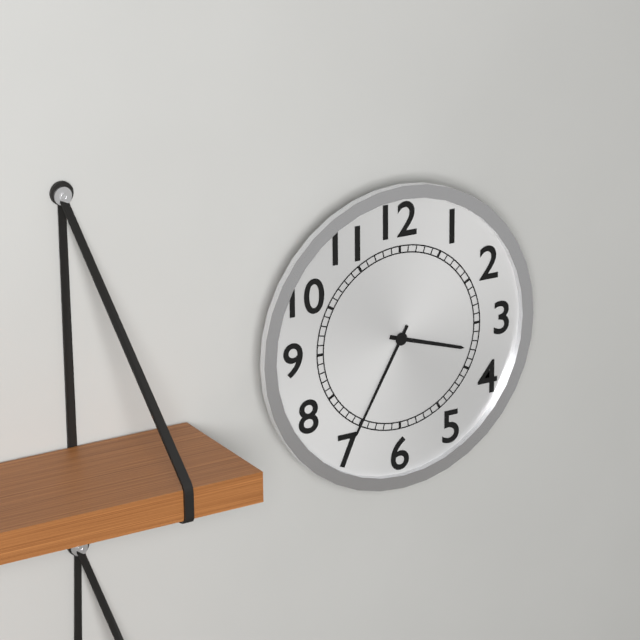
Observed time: 3h35
